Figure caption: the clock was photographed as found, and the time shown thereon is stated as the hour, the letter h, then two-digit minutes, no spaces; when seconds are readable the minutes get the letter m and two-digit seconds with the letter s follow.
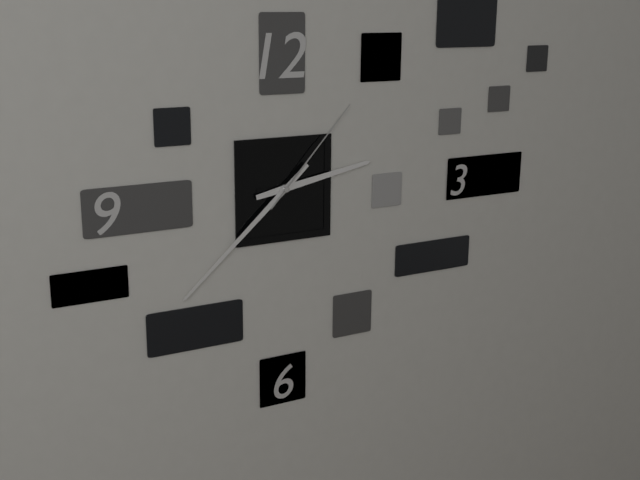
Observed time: 2h38m07s
